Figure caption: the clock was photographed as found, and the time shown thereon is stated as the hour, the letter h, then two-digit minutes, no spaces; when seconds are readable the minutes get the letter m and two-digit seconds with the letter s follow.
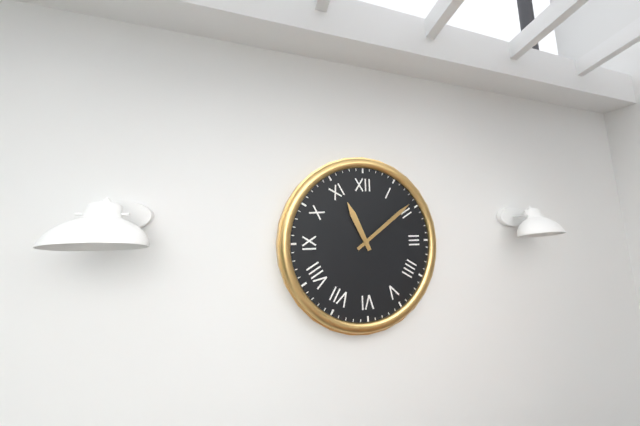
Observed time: 11h09
